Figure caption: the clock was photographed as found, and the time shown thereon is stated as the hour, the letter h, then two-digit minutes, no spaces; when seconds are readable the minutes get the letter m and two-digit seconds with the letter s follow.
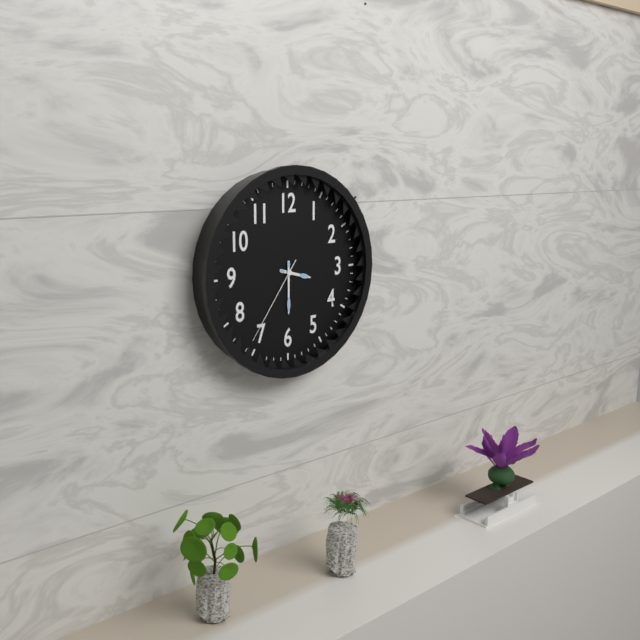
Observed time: 3h30m36s
